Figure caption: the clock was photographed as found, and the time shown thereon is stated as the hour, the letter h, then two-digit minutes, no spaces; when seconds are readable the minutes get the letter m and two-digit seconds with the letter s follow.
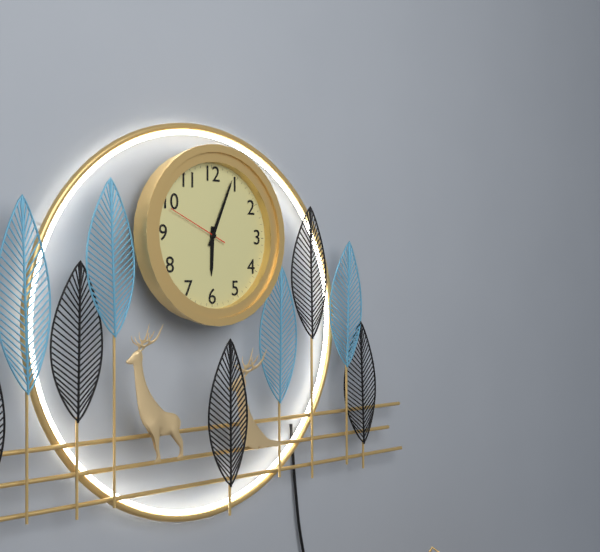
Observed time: 6h04m49s
